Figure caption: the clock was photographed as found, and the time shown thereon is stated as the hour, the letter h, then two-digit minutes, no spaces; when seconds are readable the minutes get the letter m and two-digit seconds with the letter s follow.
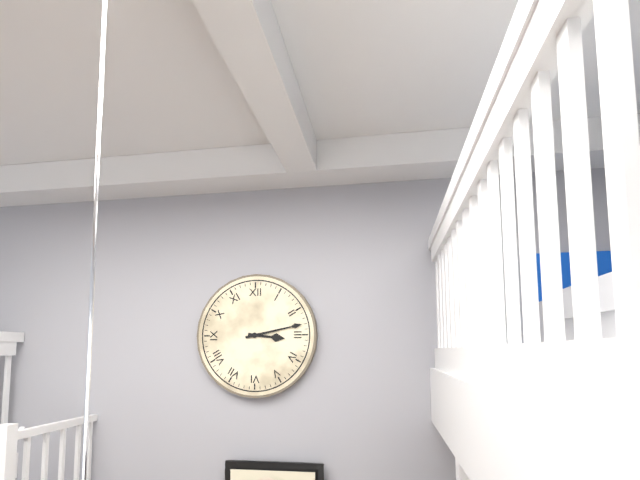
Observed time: 3h13
